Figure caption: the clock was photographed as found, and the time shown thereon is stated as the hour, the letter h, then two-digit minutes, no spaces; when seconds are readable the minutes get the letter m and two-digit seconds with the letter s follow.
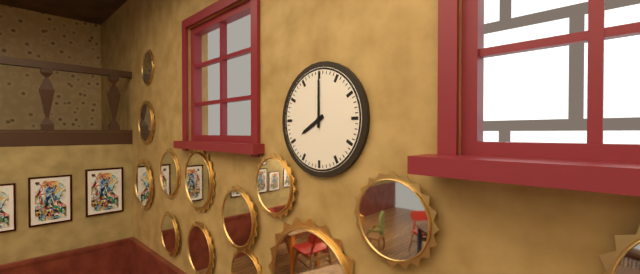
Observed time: 8h00
